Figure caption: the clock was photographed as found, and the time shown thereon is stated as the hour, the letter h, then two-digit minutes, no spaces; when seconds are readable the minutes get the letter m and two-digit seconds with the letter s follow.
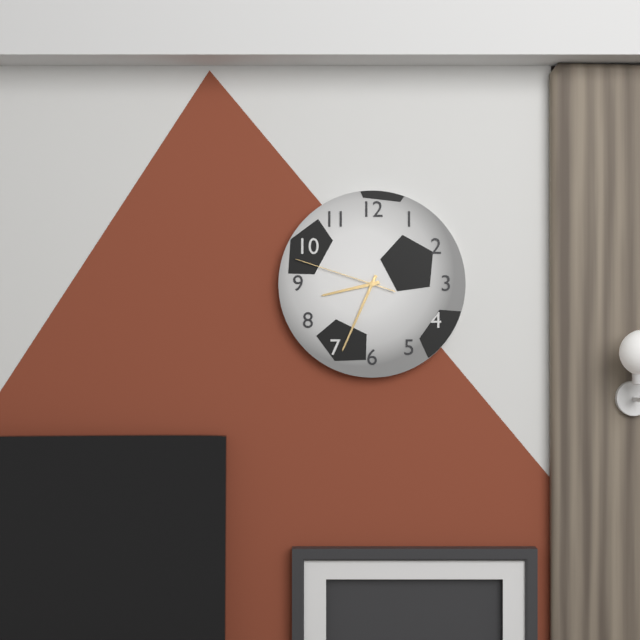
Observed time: 8h34m48s
